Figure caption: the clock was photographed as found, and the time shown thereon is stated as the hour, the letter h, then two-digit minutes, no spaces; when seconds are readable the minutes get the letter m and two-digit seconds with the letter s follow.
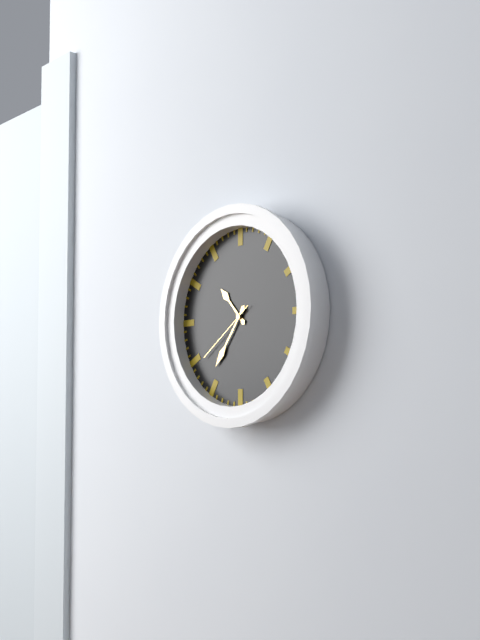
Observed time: 10h36m39s
